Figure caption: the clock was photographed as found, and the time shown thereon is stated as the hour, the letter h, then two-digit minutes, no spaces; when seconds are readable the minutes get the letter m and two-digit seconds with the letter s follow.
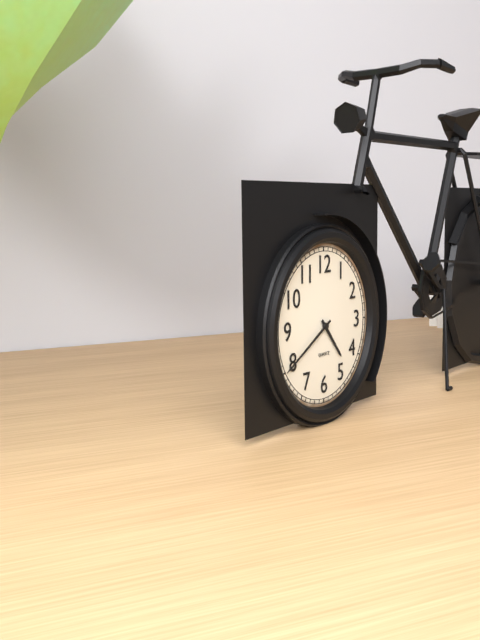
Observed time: 4h40
